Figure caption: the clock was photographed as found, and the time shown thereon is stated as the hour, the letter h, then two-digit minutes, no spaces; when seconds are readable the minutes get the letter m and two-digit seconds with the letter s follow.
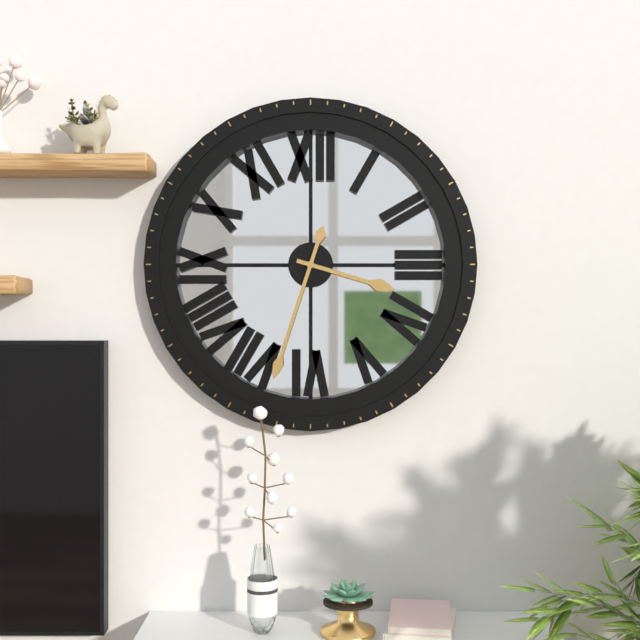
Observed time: 3h33
